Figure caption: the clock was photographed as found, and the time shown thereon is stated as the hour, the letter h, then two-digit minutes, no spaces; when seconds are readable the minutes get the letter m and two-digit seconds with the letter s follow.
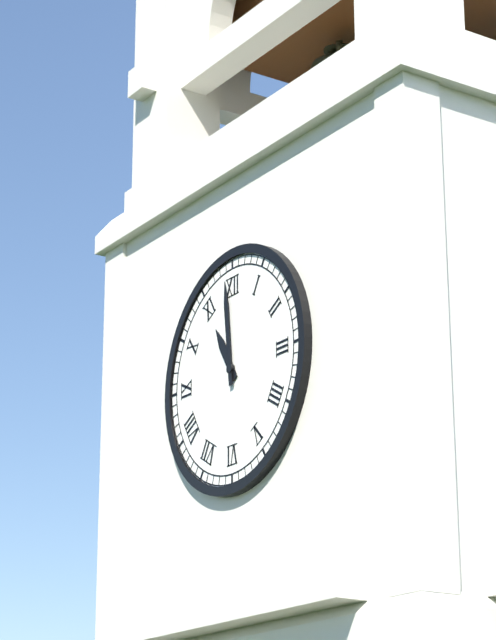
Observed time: 10h59
